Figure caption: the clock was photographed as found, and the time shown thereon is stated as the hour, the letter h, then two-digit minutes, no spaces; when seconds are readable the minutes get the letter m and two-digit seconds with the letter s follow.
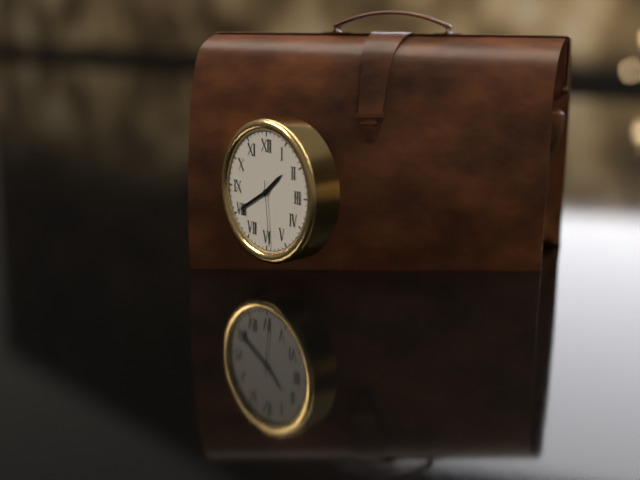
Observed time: 1h40m29s
